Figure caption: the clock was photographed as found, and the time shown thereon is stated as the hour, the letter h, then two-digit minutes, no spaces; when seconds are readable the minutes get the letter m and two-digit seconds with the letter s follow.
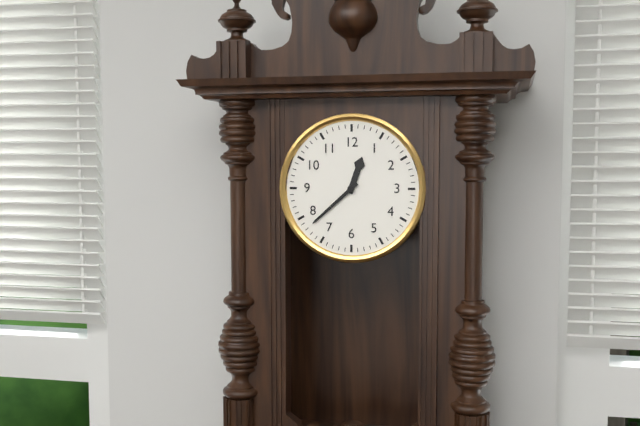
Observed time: 12h38
